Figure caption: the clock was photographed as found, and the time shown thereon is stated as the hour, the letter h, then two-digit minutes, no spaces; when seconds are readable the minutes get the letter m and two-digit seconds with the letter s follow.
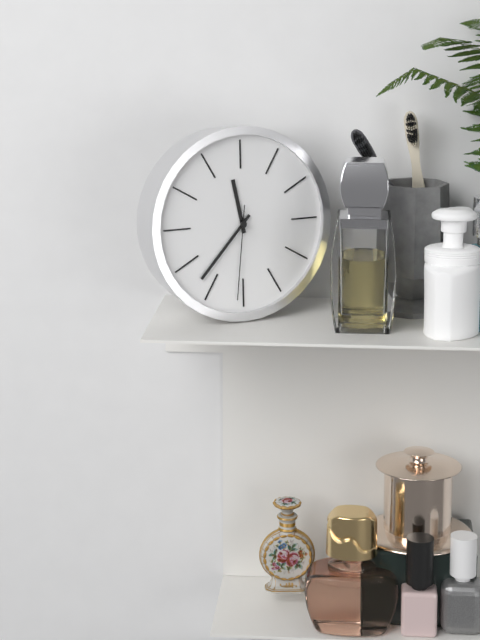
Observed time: 11h37m31s
